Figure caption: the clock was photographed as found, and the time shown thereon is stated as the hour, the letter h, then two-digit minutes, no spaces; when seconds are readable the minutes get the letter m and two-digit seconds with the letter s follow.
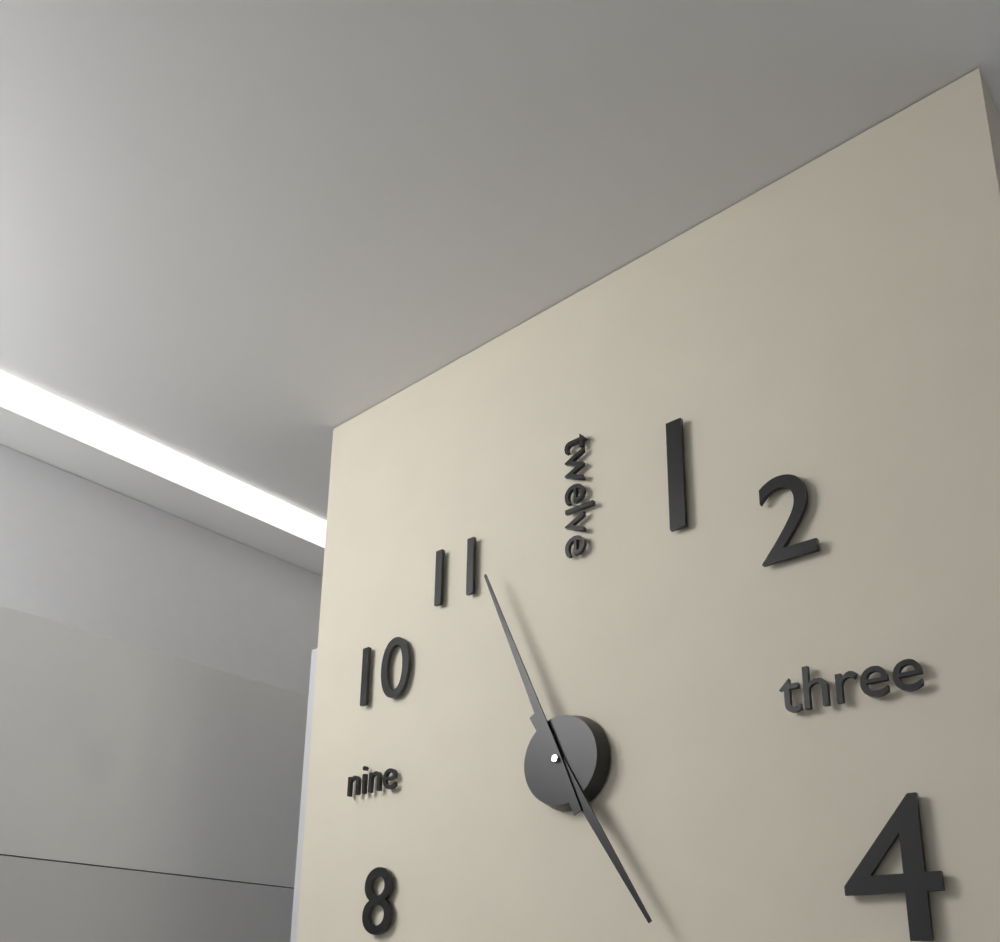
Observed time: 4h56
